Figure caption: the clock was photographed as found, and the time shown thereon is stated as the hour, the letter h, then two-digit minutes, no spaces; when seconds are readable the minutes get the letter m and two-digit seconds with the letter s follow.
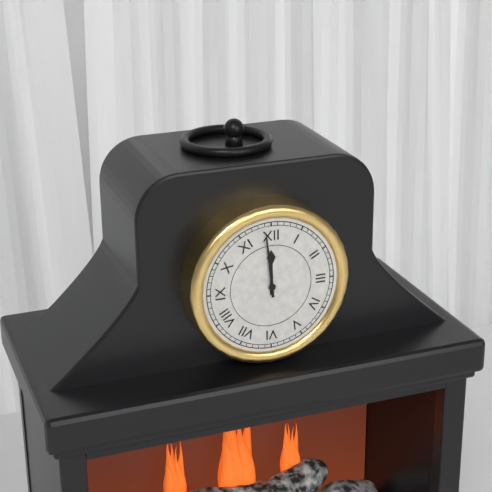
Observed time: 11h59
